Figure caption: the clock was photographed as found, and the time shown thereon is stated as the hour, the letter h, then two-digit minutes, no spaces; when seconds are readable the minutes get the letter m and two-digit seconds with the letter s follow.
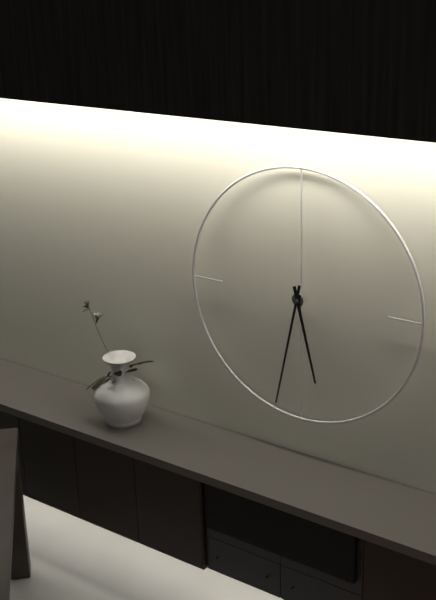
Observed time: 5h32
